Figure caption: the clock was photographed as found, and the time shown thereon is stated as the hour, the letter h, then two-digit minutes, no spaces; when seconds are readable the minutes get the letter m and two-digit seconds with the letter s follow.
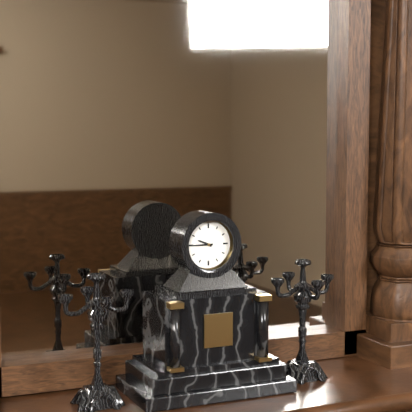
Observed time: 9h45
